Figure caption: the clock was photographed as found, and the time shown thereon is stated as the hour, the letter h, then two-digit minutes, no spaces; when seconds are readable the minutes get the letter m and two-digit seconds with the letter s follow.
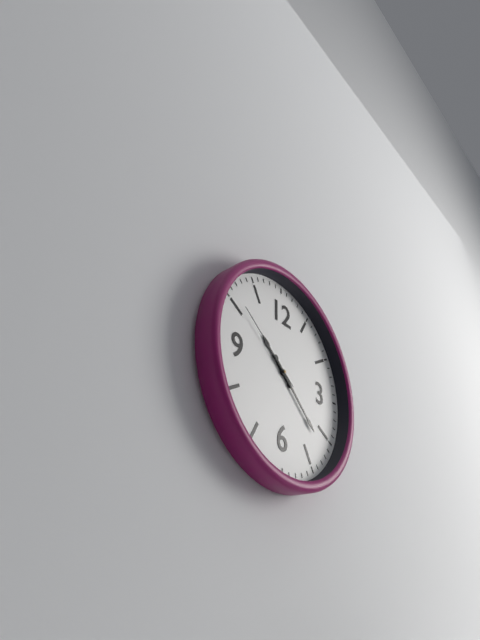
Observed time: 10h22m51s
